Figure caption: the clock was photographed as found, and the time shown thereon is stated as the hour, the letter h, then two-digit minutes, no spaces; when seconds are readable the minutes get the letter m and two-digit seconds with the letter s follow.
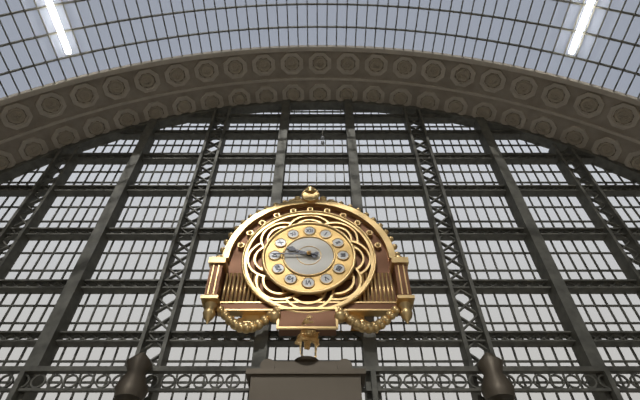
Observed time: 9h45
